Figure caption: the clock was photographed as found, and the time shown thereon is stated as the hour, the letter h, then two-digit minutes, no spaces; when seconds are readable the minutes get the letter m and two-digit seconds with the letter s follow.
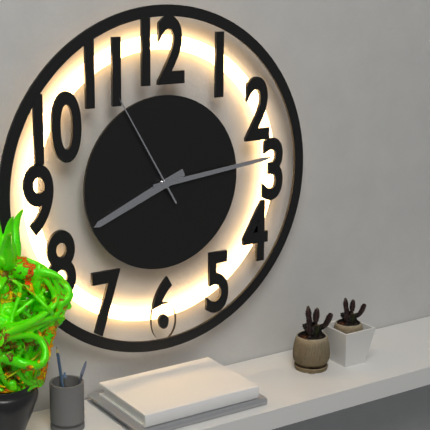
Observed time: 8h14m55s
